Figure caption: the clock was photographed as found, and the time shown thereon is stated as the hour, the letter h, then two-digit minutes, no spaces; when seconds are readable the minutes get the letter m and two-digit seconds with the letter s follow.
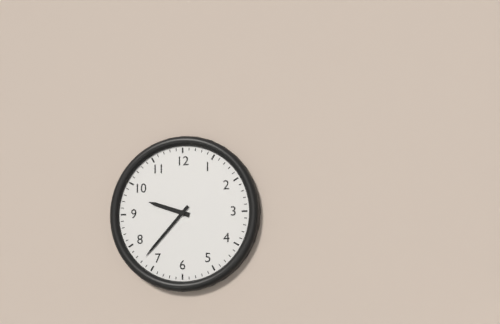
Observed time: 9h37
